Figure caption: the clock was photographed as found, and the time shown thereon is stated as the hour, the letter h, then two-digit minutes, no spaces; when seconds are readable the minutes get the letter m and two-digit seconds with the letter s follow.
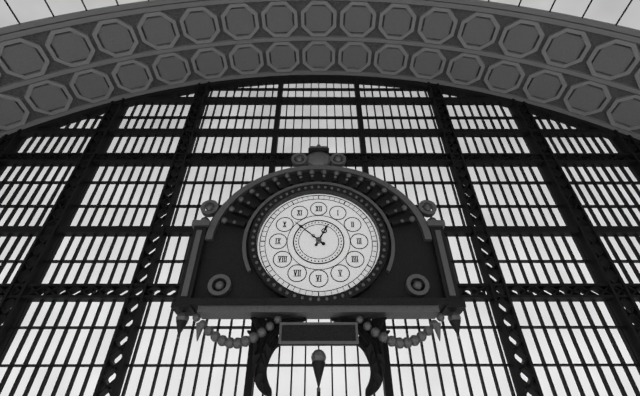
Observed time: 12h52
